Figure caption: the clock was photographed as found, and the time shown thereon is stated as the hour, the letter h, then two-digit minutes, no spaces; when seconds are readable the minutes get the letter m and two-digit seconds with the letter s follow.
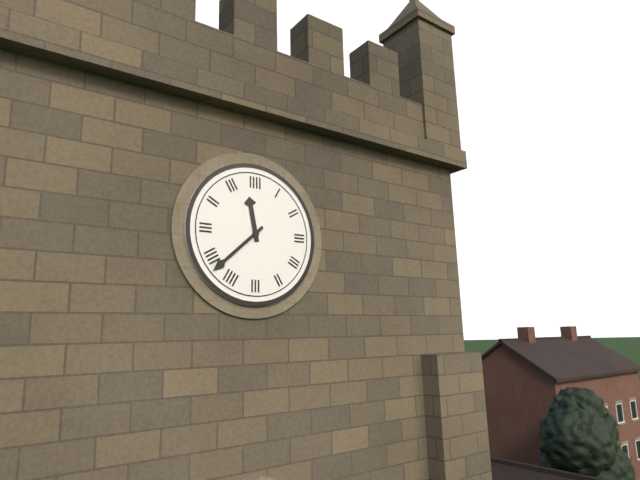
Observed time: 11h38
